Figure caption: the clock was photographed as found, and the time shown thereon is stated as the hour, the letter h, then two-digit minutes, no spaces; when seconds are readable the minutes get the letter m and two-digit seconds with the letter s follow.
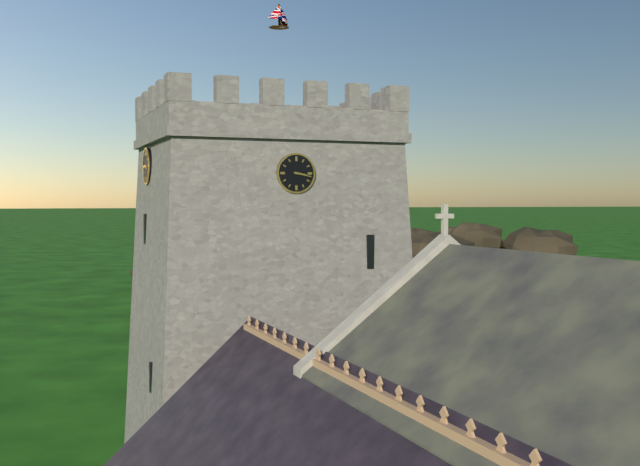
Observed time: 3h17
